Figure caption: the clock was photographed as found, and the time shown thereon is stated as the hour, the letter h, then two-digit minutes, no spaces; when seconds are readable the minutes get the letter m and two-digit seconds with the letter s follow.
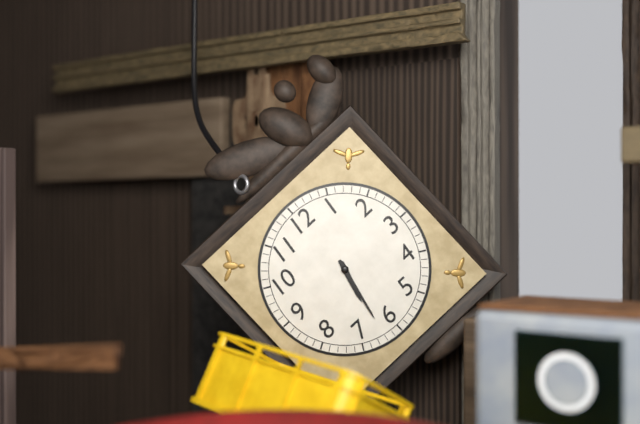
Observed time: 6h32
